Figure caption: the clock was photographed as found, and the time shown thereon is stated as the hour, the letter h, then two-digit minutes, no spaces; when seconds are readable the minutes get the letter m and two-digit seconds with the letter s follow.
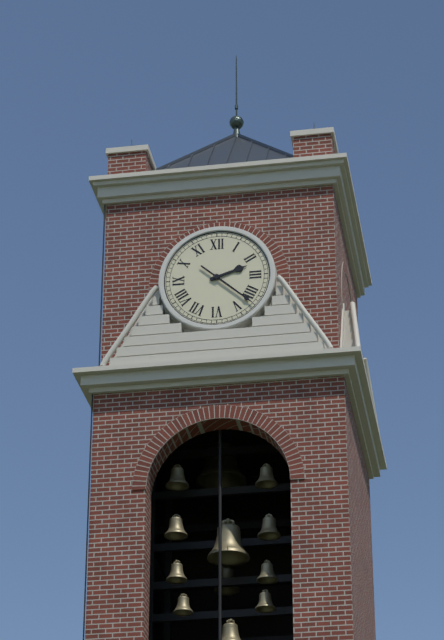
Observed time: 2h22
